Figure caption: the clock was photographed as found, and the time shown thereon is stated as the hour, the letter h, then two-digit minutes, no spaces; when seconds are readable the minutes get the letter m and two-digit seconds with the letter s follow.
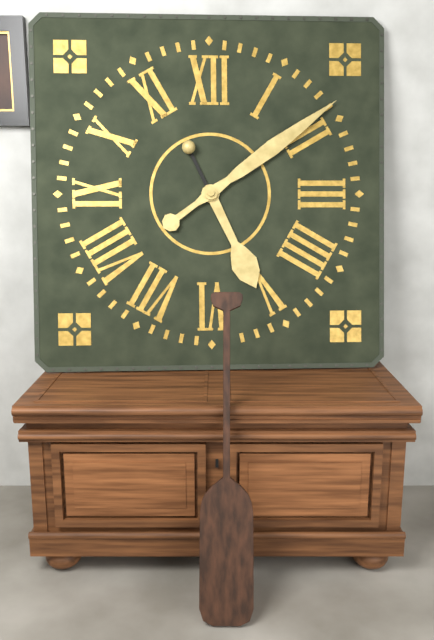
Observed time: 5h09
